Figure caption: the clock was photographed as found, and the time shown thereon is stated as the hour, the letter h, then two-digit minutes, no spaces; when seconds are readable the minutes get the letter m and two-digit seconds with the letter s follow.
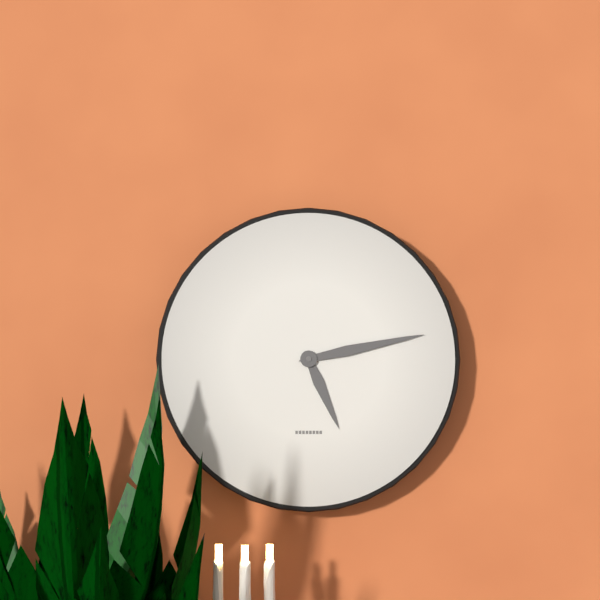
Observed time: 5h13
